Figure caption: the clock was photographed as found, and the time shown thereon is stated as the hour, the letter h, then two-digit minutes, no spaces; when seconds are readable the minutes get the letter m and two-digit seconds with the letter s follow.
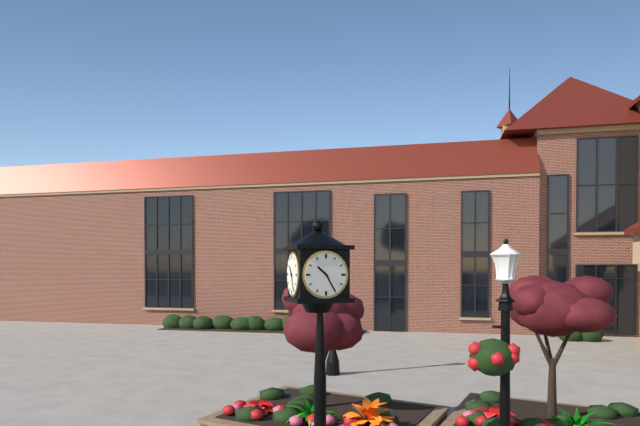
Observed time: 10h25
